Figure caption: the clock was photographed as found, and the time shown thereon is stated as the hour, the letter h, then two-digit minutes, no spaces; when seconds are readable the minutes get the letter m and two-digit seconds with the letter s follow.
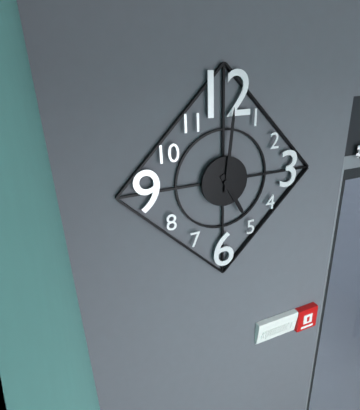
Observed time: 5h01
